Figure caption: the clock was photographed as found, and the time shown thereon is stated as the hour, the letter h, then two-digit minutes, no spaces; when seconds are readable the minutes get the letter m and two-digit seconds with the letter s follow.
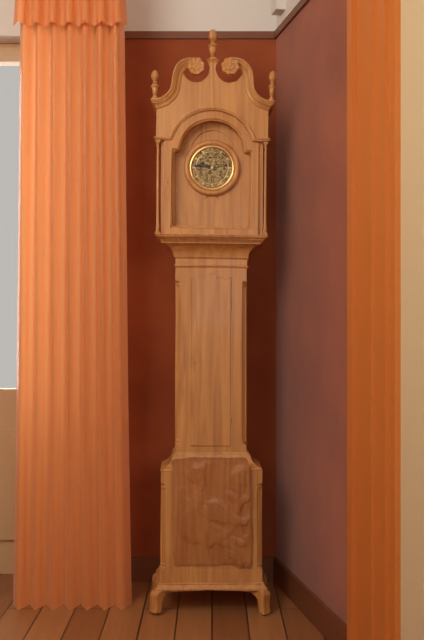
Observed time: 9h46
